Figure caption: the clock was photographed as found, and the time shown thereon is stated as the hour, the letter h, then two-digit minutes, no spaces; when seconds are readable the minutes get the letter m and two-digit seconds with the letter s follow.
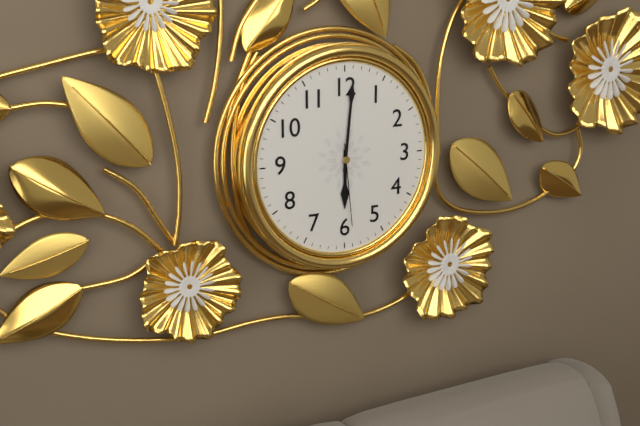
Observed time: 6h01m29s
